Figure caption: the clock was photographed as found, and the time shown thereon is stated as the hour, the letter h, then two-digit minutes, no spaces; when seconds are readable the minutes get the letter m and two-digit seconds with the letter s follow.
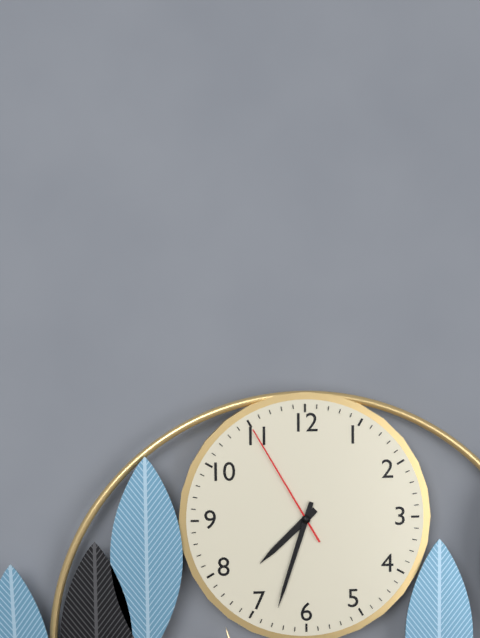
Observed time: 7h33m55s
